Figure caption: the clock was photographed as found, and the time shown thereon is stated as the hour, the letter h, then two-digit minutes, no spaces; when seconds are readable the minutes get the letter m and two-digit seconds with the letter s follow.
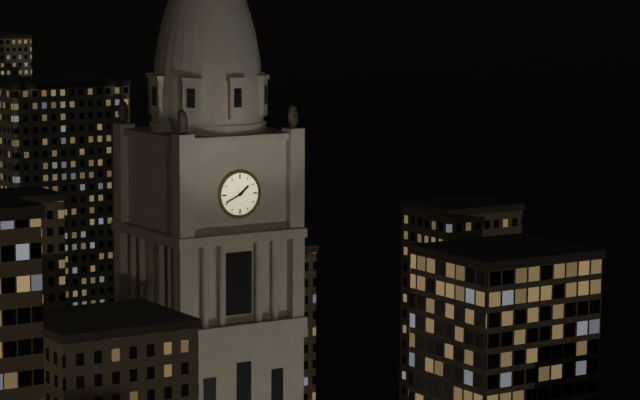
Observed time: 1h41
